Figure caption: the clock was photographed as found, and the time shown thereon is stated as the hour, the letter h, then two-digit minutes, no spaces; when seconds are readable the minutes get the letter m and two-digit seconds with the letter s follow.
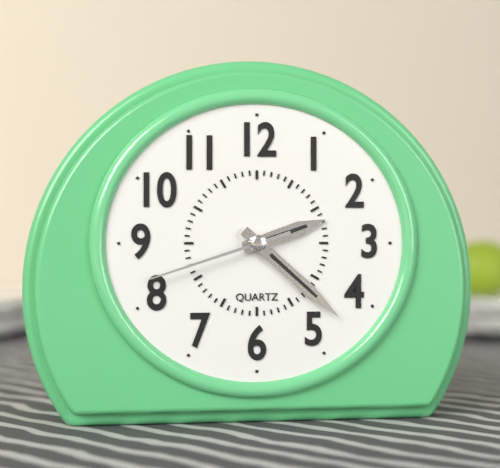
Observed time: 2h22m42s
